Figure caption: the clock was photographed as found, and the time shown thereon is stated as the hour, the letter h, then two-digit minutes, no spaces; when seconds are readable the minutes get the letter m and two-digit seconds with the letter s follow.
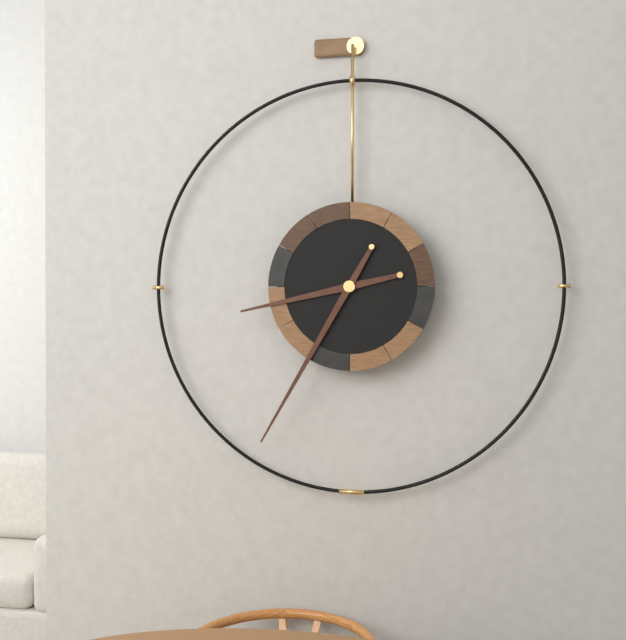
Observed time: 8h35
